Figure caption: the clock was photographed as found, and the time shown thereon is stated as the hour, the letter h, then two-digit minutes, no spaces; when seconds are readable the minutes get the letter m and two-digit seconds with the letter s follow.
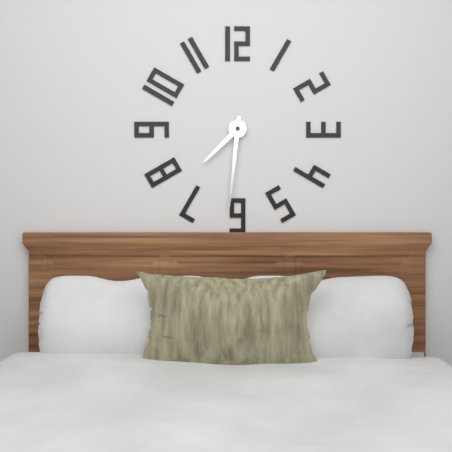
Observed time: 7h31
